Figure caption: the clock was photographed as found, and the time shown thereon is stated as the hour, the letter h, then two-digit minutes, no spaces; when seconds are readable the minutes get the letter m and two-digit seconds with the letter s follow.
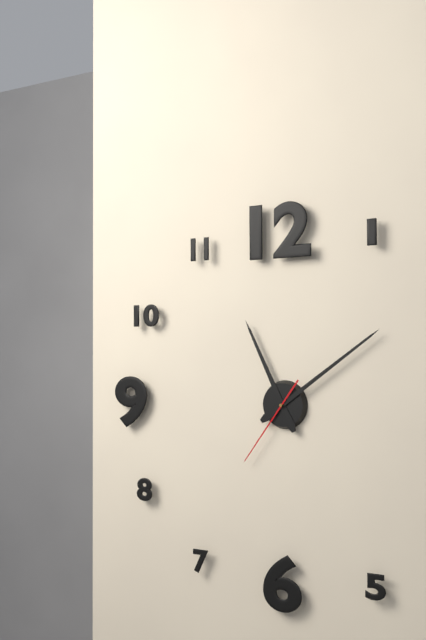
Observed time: 11h09m36s
